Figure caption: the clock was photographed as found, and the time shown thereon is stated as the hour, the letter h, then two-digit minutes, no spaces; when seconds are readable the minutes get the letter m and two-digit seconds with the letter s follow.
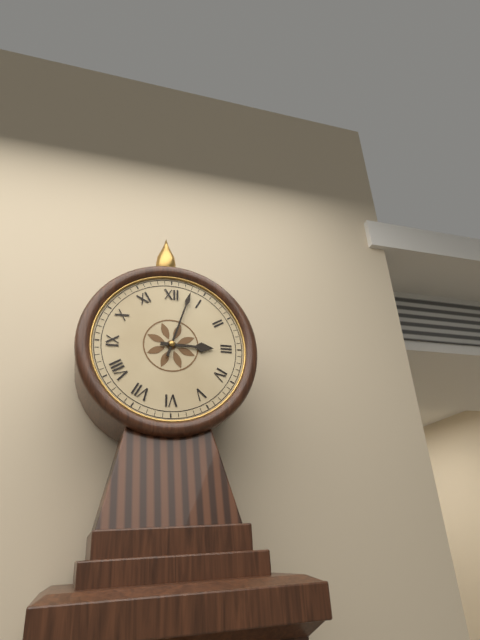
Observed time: 3h03
